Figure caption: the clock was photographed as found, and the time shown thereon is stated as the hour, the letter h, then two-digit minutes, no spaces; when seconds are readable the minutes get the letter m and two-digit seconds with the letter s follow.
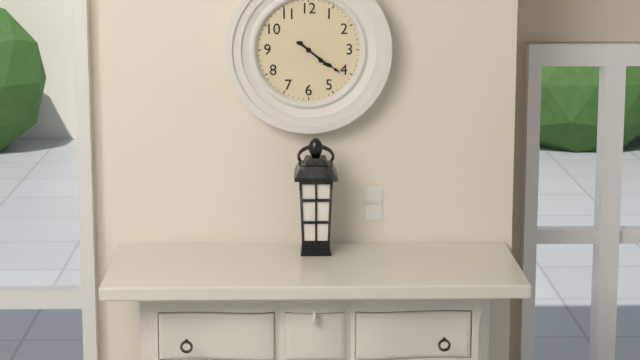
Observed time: 4h21
